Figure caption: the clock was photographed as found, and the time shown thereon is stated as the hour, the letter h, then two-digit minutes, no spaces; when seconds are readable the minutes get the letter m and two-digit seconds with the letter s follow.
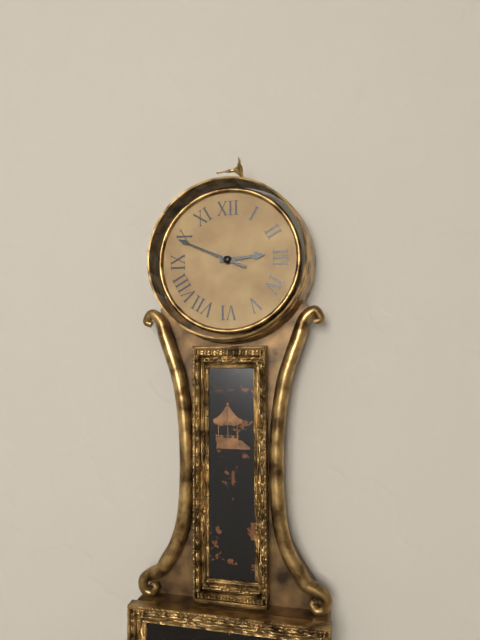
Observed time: 2h49m49s
